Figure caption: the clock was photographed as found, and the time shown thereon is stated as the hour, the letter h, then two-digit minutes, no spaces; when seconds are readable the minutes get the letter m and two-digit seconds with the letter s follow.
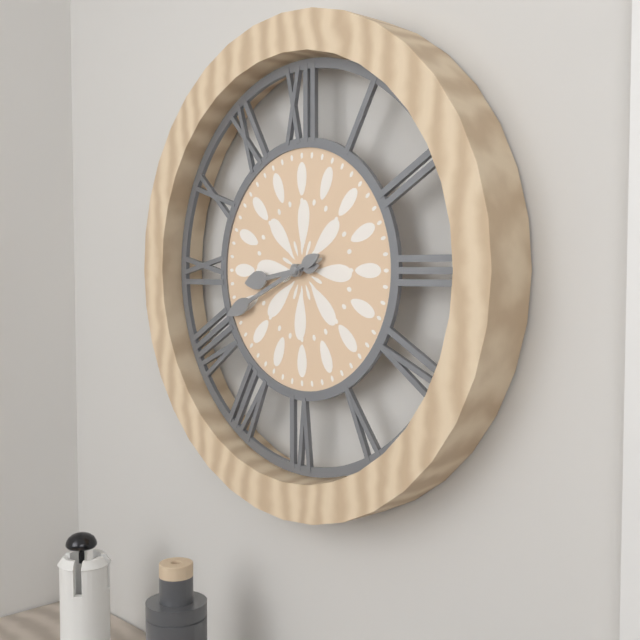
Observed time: 8h41
